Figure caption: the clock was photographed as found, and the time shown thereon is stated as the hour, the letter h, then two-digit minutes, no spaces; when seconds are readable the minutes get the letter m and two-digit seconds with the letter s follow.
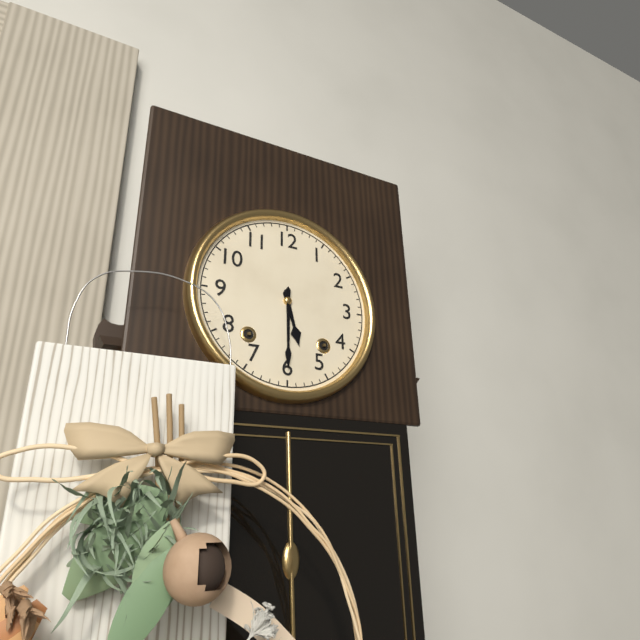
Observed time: 5h30
